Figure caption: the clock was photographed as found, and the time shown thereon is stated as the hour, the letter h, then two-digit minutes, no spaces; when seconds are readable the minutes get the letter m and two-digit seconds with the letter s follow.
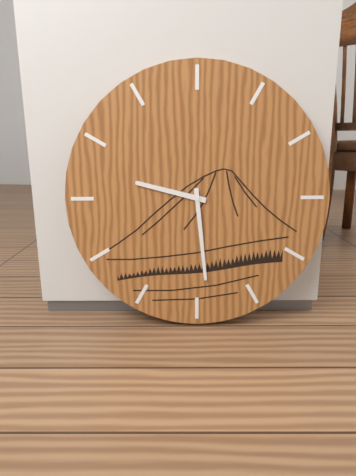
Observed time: 9h29
